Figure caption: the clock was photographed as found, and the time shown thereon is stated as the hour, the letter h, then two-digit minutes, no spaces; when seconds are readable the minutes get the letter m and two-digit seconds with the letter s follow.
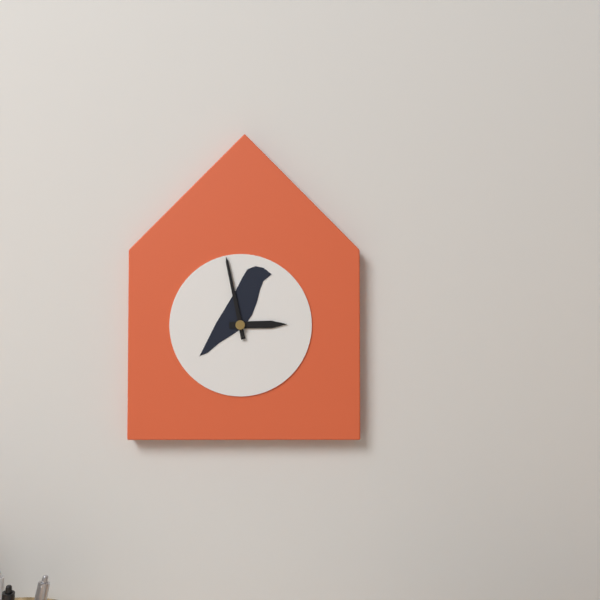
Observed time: 2h58
